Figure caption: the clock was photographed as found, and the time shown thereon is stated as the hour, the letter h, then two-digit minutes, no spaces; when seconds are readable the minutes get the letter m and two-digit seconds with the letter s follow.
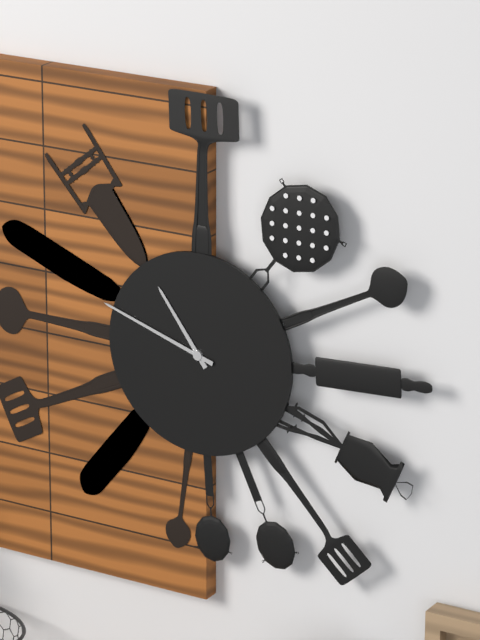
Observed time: 10h48
